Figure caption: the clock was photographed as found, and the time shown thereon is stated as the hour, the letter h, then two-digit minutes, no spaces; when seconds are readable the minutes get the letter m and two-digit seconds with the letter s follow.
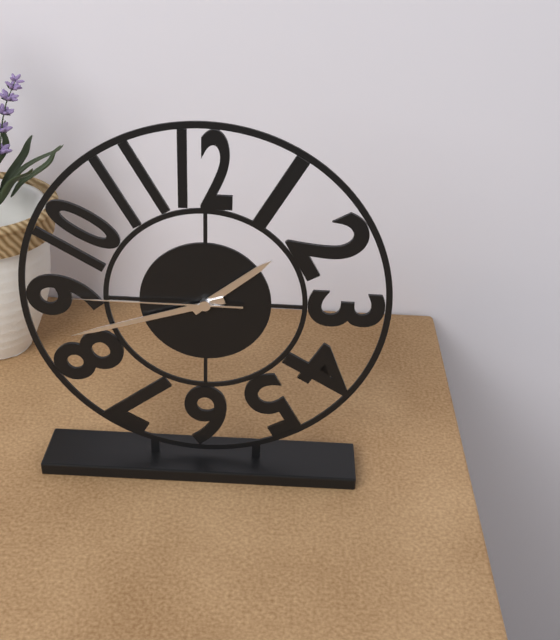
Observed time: 1h42m45s
